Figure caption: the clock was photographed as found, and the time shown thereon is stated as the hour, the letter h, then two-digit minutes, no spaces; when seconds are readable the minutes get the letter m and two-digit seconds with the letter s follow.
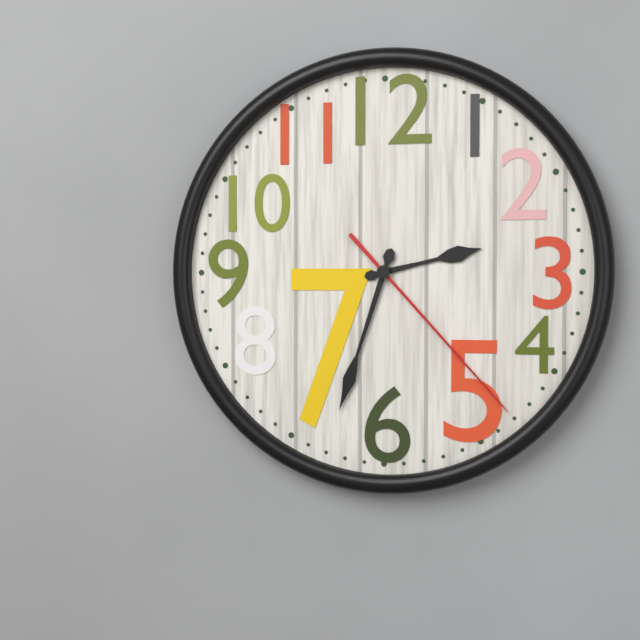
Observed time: 2h33m23s
